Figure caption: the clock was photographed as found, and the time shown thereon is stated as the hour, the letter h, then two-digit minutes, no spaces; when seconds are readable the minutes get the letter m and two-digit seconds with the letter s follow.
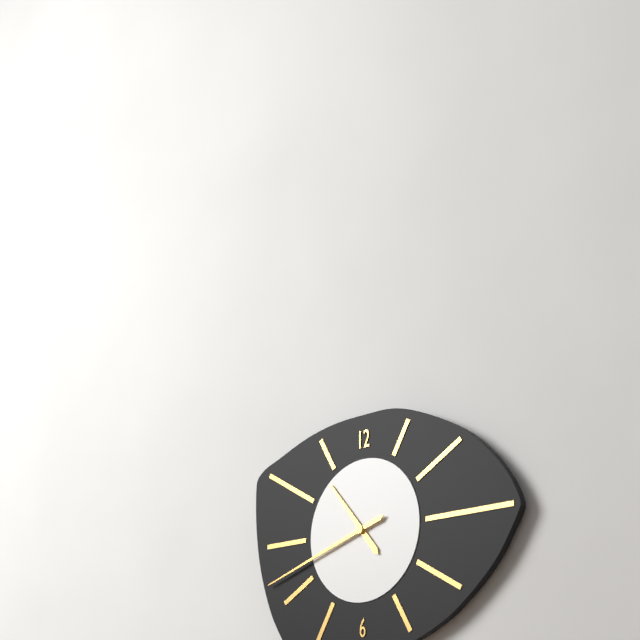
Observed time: 10h42
